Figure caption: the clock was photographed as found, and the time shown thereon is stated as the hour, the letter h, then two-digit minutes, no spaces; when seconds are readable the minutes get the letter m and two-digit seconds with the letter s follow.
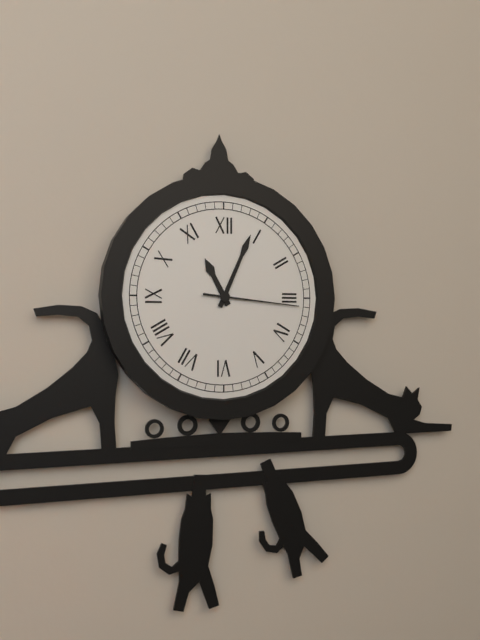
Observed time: 11h04m16s
